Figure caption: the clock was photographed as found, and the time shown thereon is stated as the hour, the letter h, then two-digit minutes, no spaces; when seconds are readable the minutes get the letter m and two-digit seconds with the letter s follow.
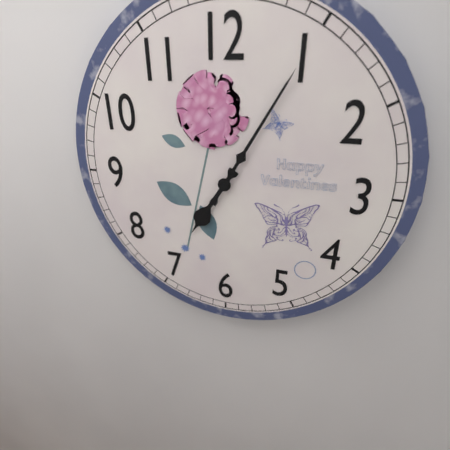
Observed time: 7h05
